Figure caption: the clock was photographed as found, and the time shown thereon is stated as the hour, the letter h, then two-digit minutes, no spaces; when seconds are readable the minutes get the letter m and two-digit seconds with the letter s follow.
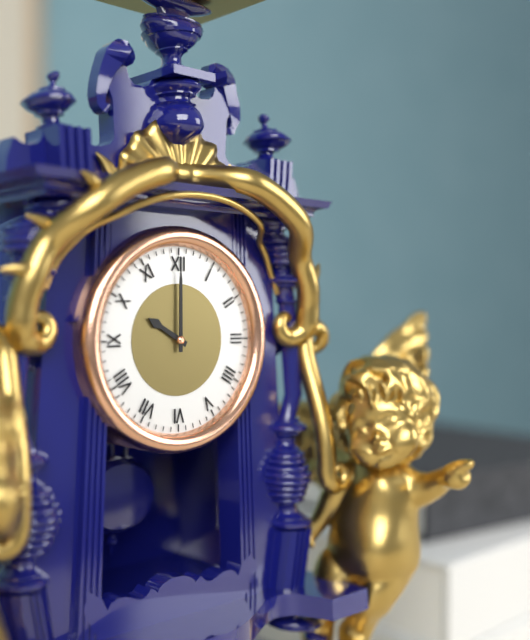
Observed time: 10h00
